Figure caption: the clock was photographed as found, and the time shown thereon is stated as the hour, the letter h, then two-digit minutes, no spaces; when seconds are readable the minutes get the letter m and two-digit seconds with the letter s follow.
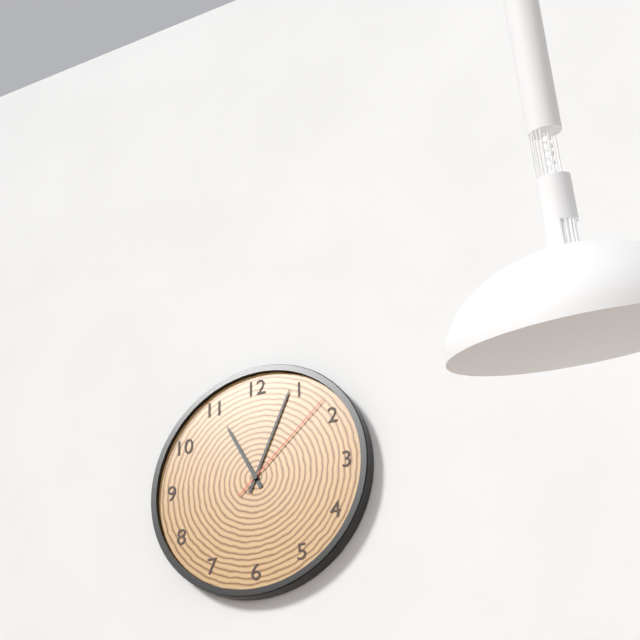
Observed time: 11h04m08s
